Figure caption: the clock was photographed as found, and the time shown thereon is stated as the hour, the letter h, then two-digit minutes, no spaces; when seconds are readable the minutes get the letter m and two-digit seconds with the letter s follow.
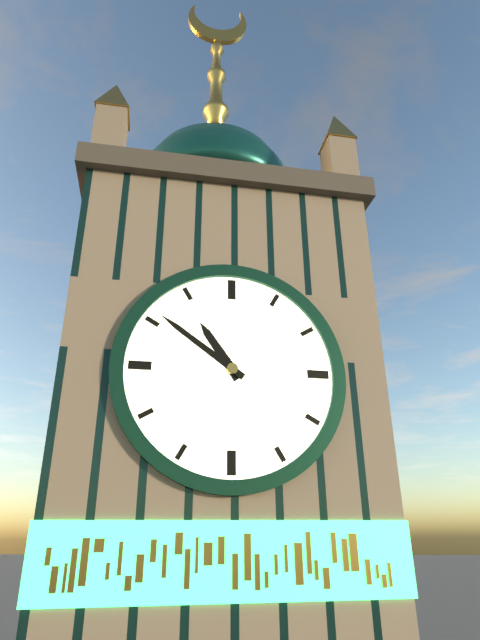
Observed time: 10h51
